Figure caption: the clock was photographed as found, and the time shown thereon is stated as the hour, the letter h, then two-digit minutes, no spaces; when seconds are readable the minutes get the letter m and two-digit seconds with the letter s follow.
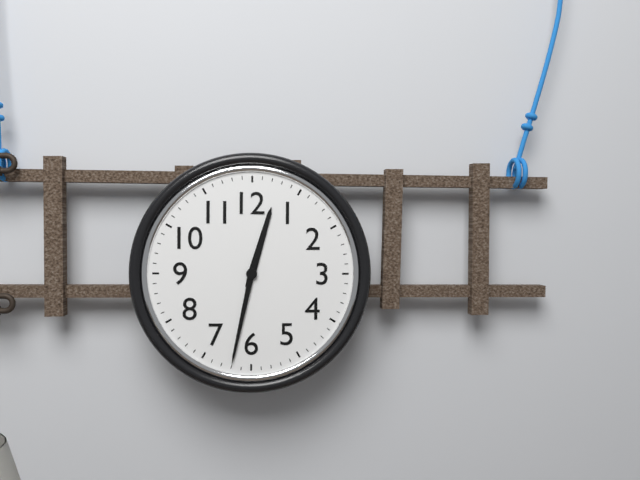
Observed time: 12h32
